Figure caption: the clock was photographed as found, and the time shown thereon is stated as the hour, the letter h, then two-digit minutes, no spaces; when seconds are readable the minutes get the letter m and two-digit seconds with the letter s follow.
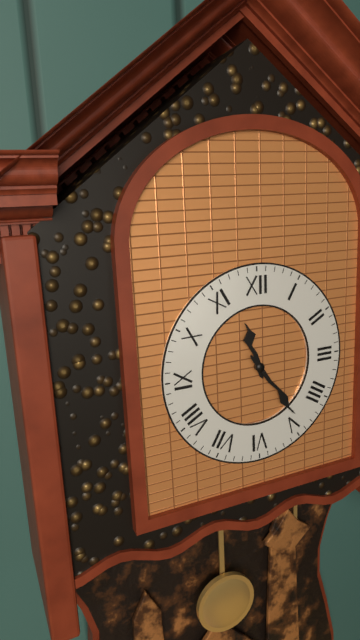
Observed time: 11h24
